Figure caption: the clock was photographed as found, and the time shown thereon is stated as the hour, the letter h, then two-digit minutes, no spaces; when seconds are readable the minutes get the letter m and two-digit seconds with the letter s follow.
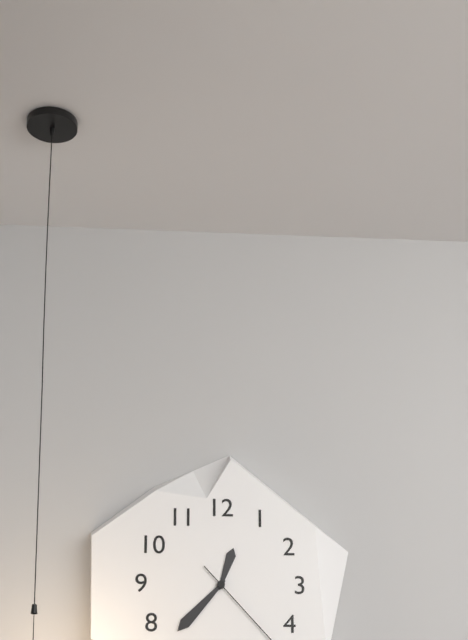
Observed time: 12h37
